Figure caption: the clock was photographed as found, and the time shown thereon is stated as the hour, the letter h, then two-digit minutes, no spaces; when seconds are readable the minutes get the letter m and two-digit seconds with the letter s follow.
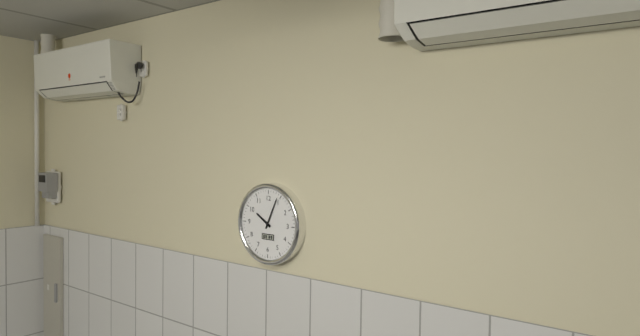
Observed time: 10h04
